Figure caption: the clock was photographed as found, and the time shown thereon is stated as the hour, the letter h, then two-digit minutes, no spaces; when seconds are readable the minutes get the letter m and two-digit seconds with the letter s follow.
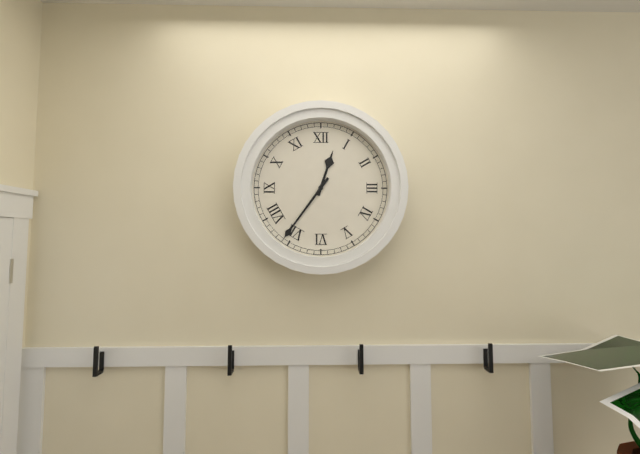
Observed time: 12h36
